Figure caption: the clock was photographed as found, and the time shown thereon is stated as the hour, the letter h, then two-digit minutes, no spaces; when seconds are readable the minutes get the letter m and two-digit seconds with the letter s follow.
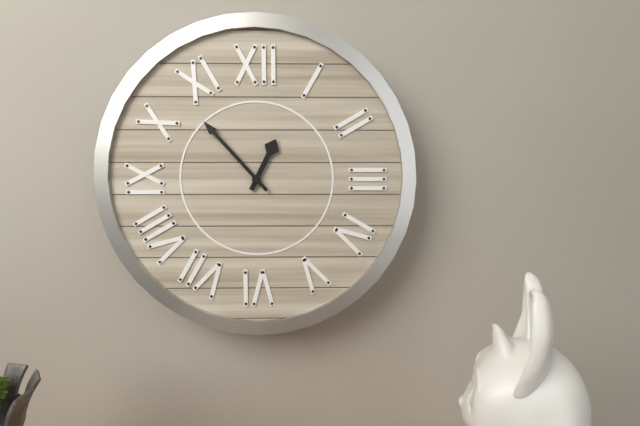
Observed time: 12h53
